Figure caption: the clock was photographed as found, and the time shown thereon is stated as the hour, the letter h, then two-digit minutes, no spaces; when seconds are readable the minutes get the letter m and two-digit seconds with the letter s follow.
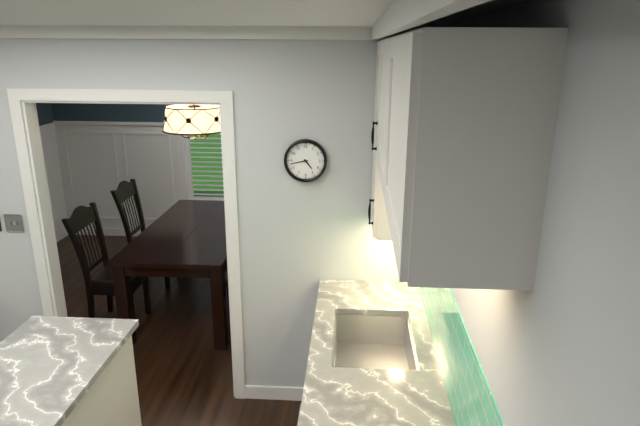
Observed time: 4h43
